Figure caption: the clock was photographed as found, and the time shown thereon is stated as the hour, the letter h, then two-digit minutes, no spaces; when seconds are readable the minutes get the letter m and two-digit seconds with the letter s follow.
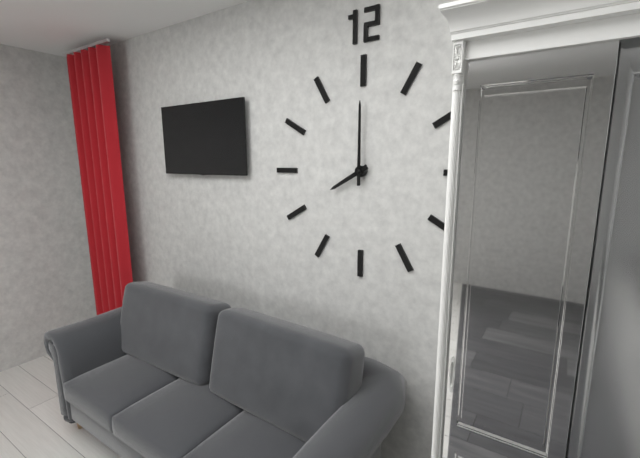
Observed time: 8h00
